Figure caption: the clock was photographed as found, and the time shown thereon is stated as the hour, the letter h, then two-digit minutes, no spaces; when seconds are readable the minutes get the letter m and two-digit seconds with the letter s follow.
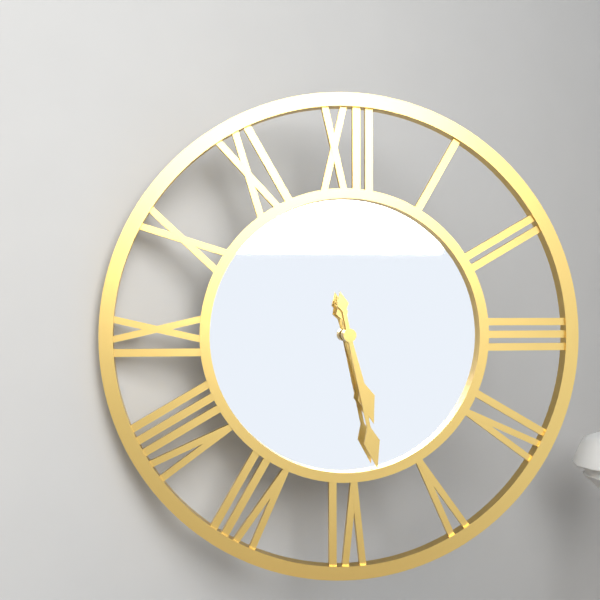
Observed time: 5h28
